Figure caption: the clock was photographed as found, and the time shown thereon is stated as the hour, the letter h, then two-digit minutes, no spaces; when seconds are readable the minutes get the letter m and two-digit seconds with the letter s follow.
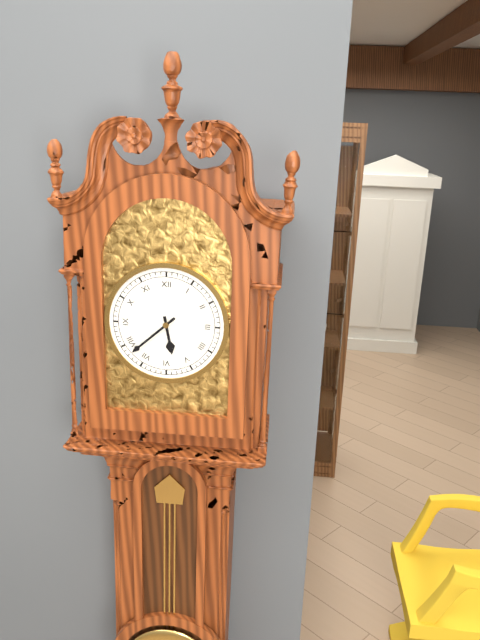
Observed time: 5h38
